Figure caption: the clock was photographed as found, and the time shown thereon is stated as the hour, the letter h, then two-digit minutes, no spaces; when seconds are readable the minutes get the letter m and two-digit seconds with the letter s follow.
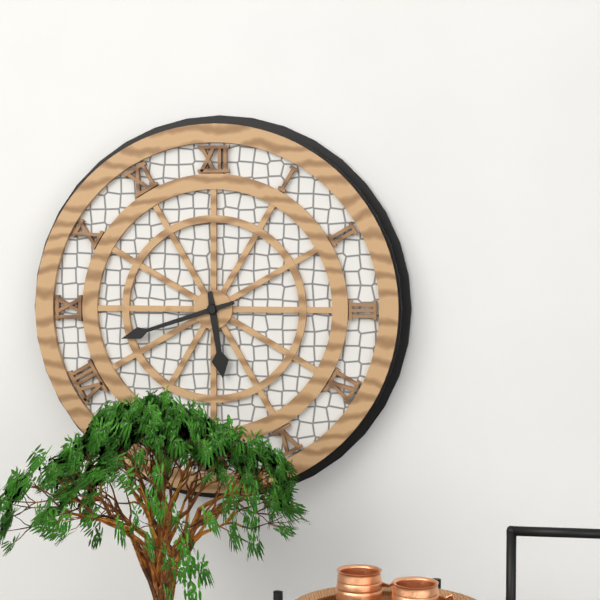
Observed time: 5h42
